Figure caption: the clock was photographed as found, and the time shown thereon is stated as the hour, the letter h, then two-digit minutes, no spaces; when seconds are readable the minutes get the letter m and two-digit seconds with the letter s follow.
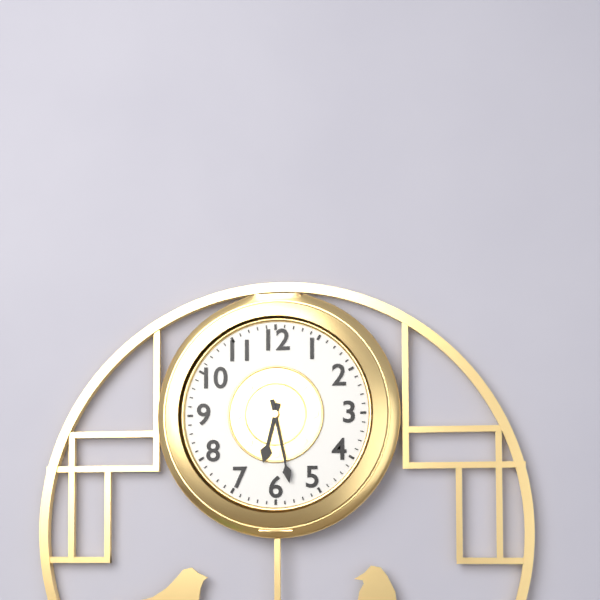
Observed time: 6h28
